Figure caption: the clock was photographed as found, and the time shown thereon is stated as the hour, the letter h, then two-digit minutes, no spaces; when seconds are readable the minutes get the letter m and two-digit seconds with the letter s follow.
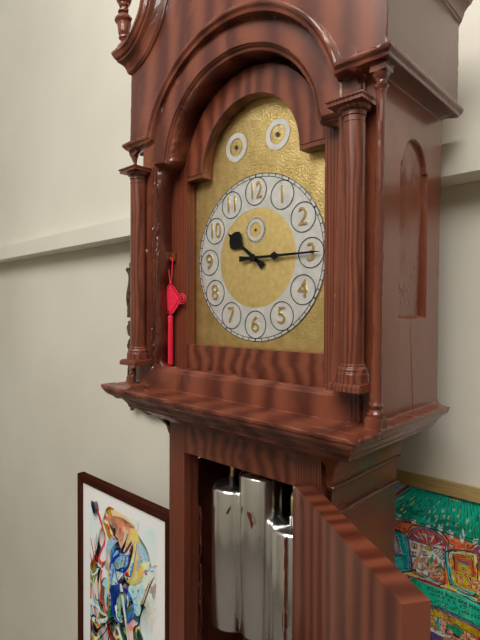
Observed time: 10h15
